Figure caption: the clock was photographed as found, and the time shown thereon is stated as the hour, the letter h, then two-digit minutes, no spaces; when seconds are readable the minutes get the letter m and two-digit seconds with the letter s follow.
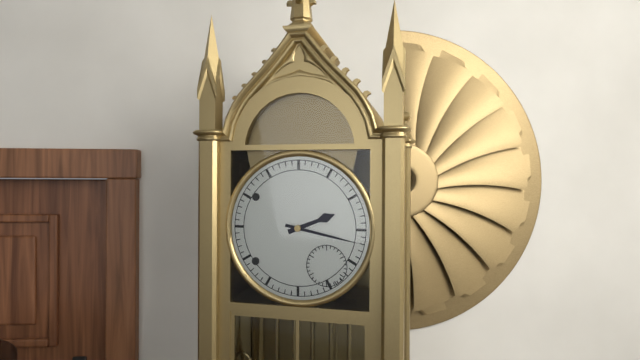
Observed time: 2h17
